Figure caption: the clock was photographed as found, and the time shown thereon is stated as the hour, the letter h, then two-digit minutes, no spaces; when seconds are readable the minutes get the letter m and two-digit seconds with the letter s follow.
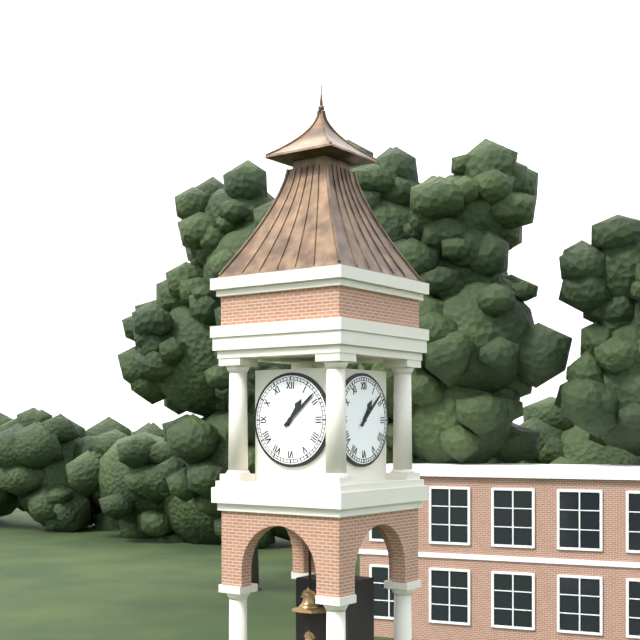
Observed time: 1h08
